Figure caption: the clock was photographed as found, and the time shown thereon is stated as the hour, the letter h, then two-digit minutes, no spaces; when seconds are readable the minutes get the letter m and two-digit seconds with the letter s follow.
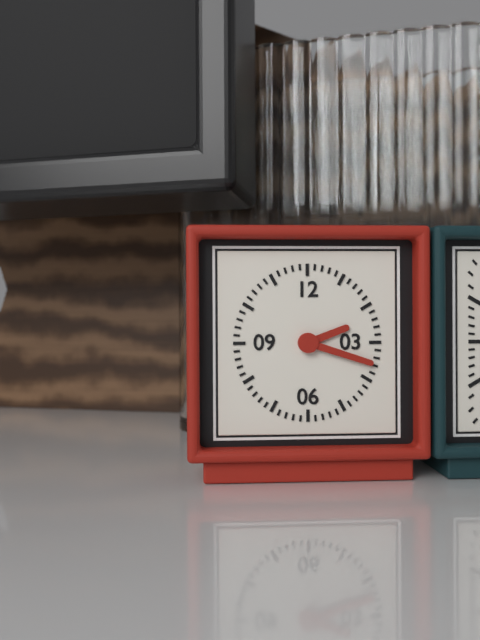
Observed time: 2h18
